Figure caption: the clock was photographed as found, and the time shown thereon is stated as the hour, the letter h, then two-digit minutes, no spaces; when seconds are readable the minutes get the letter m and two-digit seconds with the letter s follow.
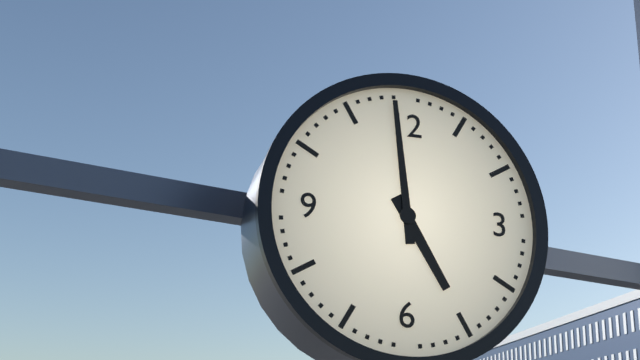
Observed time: 4h59
